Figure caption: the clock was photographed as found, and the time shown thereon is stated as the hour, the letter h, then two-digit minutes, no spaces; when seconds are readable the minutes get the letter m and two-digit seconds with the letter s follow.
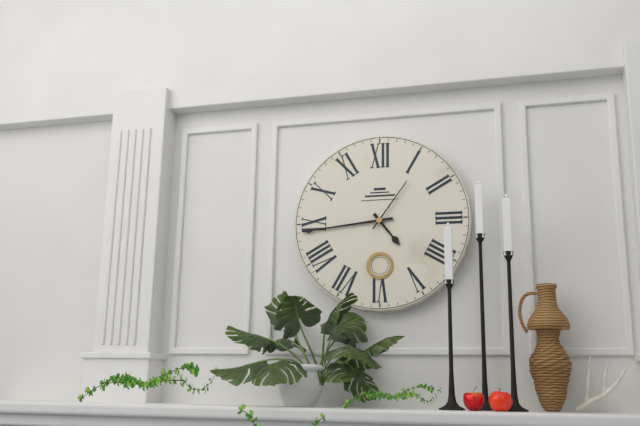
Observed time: 4h44m06s
